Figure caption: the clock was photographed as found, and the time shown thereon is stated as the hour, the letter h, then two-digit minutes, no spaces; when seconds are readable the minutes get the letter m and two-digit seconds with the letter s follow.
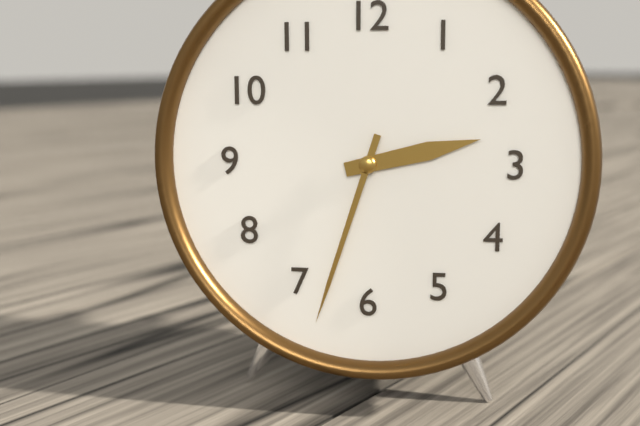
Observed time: 2h33
